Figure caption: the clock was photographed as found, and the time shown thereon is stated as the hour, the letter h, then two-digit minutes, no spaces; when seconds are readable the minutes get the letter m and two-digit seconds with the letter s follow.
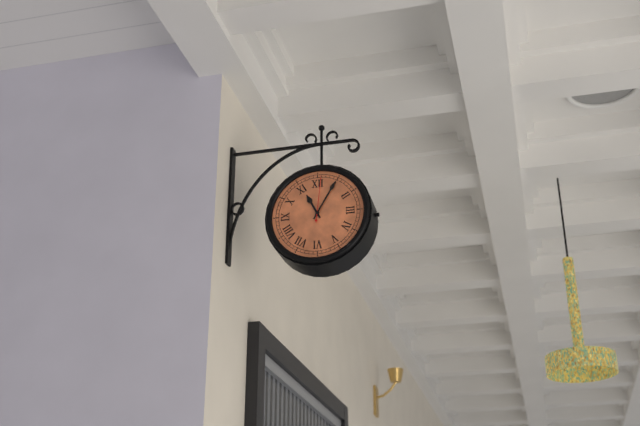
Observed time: 11h05
